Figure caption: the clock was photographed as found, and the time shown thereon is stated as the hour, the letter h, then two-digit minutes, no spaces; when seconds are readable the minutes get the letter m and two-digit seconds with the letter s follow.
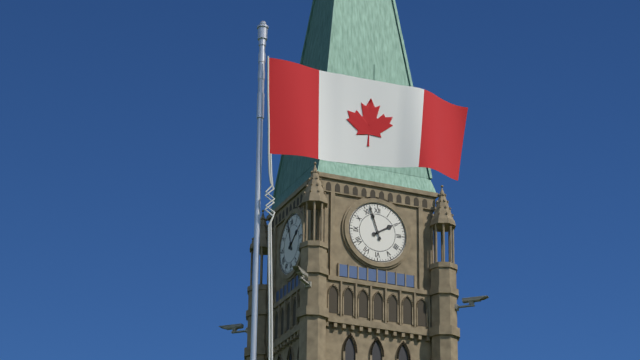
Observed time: 1h57
